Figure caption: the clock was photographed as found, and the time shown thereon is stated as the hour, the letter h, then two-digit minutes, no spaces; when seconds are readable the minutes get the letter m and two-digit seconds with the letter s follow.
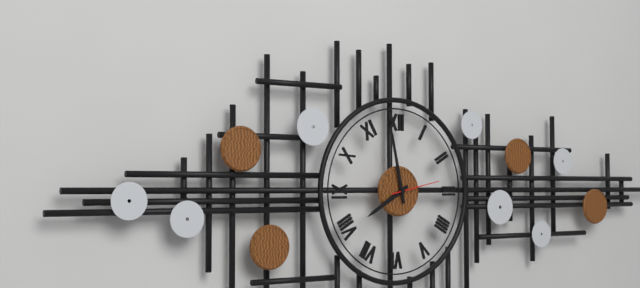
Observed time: 7h58
